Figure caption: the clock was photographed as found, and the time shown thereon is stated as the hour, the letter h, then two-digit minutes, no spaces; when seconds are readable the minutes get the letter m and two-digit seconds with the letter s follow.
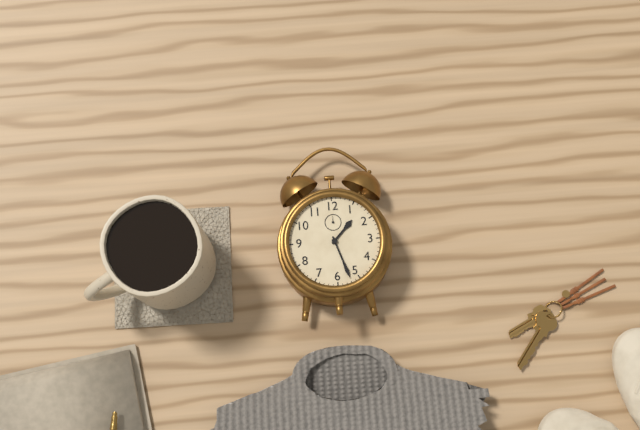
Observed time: 1h27
